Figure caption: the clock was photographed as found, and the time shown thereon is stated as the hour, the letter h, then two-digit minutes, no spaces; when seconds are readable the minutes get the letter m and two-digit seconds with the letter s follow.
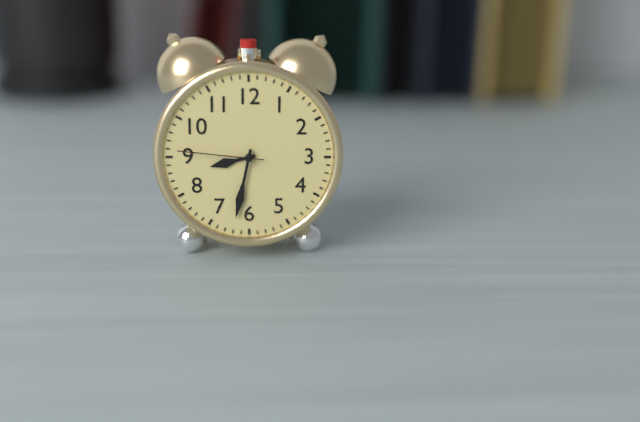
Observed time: 8h32m46s
